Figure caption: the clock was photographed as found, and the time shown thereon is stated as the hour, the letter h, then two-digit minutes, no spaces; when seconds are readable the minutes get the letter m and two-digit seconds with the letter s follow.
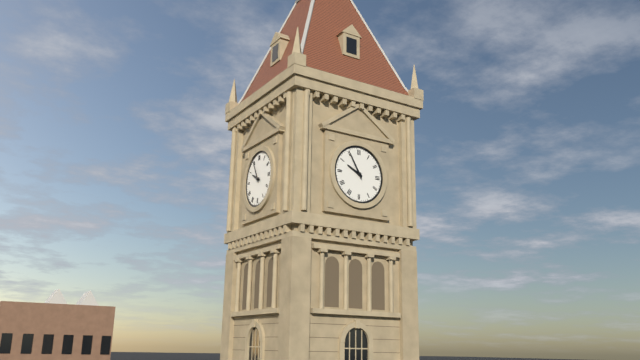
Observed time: 9h55
